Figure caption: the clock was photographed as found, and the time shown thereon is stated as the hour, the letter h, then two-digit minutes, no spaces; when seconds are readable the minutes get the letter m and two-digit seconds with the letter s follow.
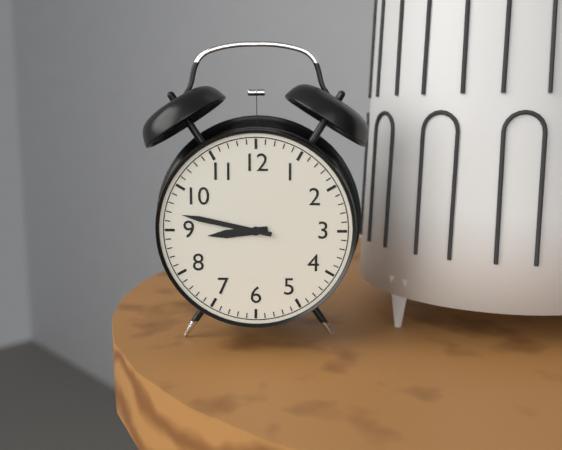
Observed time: 8h47
